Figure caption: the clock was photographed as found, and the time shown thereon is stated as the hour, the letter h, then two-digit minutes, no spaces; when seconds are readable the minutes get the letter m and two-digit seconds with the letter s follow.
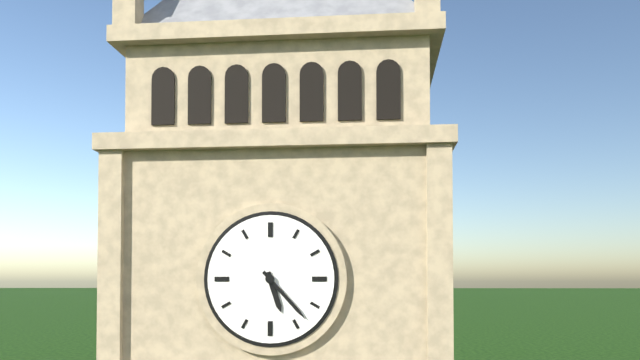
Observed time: 5h23
